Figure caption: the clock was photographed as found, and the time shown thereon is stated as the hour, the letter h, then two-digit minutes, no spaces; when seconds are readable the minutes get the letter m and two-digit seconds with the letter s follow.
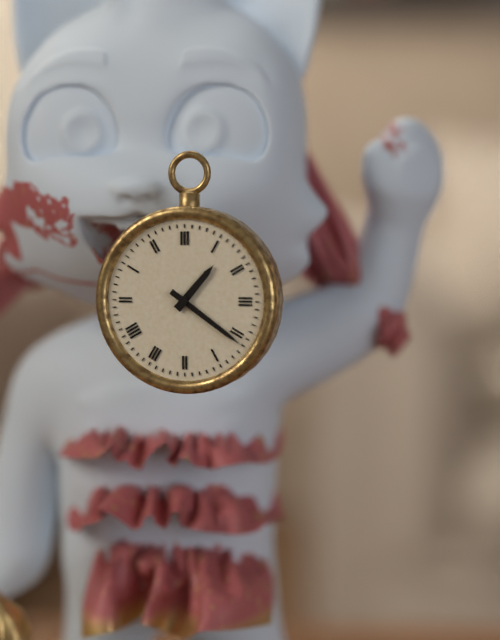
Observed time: 1h21
